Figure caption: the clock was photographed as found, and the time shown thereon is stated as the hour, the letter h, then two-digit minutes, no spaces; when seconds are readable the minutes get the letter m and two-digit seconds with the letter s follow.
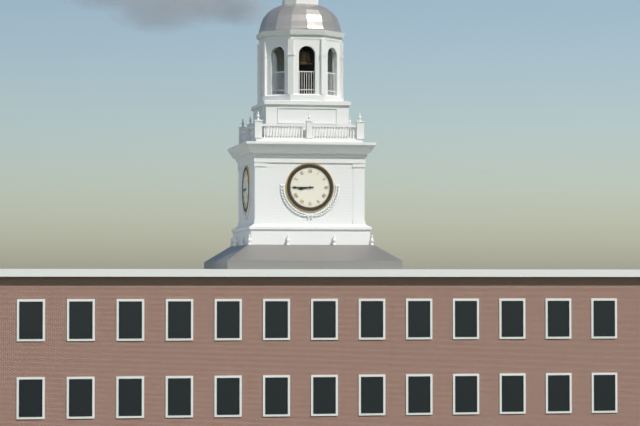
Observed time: 8h45
